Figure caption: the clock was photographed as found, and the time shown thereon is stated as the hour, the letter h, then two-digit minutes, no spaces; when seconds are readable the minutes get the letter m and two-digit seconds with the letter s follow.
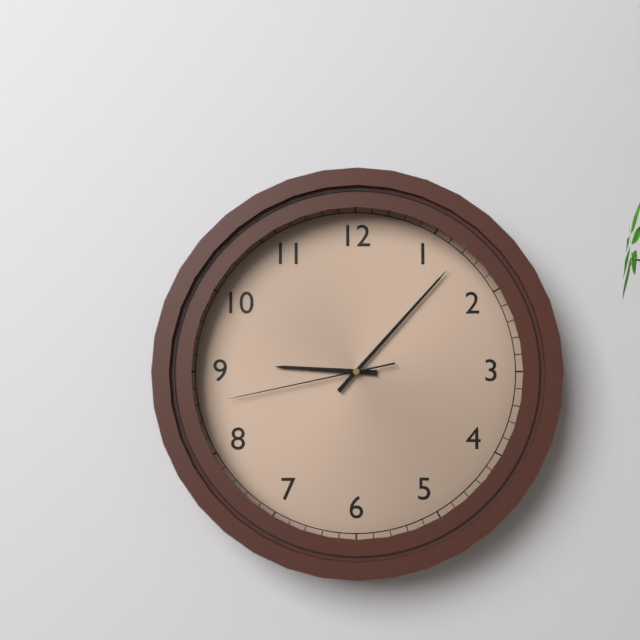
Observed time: 9h07m43s
